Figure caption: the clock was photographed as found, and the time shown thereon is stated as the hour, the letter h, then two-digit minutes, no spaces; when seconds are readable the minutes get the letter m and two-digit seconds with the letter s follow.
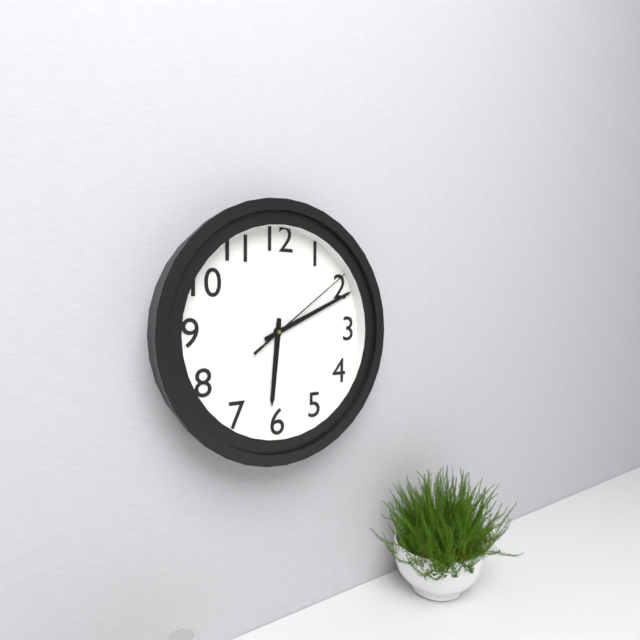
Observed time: 6h11m09s
